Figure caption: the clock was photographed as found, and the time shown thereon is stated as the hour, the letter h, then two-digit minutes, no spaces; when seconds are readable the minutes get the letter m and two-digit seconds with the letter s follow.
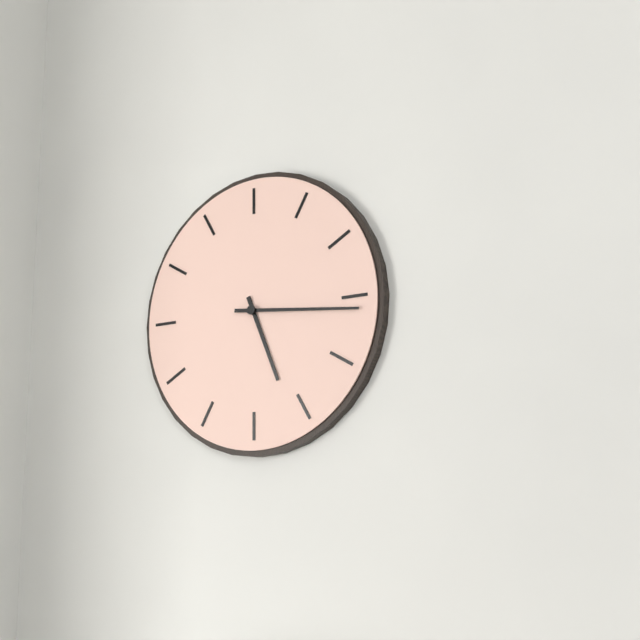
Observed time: 5h16
